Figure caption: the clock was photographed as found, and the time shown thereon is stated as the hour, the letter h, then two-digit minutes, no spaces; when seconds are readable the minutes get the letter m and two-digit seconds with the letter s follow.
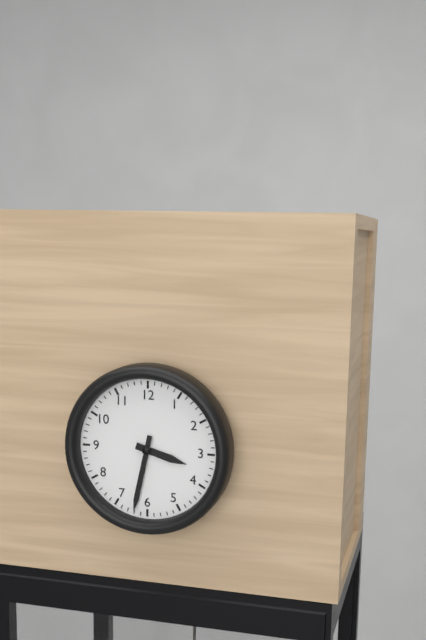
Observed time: 3h32
